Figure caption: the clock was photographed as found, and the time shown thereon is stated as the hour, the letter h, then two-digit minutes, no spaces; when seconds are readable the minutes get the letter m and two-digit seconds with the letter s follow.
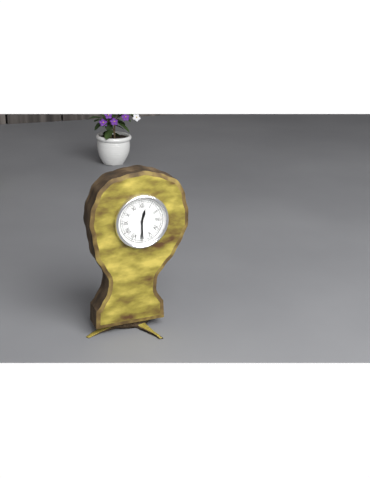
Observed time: 12h30
